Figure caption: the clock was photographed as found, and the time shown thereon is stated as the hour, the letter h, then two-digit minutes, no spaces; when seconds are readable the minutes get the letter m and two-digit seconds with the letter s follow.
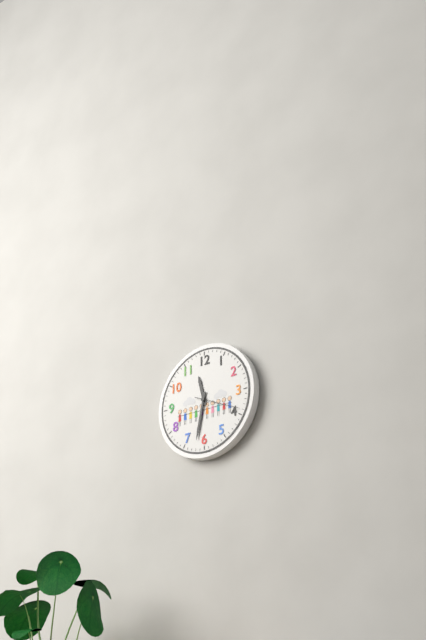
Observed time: 11h32
